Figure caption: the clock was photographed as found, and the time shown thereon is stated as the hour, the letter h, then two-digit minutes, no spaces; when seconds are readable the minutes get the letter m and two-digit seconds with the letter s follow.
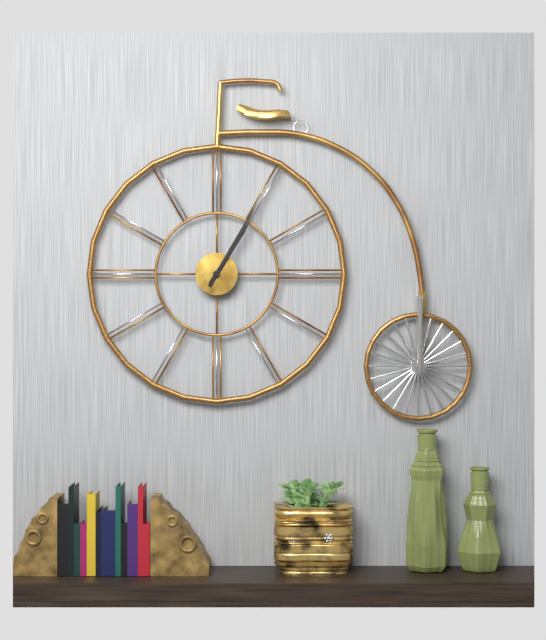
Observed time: 1h05
